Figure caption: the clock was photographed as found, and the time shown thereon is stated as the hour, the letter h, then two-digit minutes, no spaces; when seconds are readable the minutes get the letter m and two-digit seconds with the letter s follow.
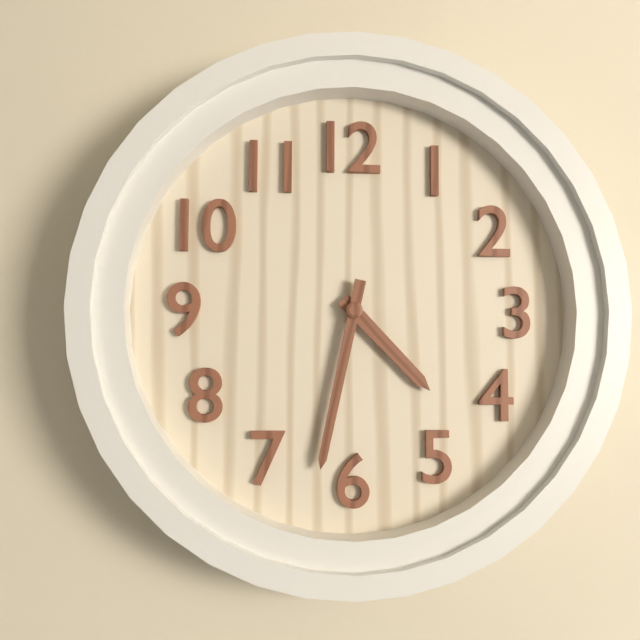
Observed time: 4h32
